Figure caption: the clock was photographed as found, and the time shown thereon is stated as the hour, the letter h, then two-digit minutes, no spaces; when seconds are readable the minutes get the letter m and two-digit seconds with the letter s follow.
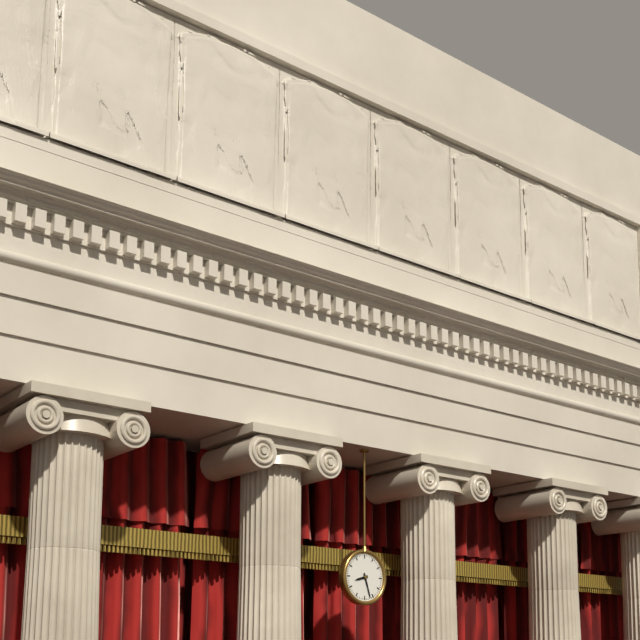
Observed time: 8h27
